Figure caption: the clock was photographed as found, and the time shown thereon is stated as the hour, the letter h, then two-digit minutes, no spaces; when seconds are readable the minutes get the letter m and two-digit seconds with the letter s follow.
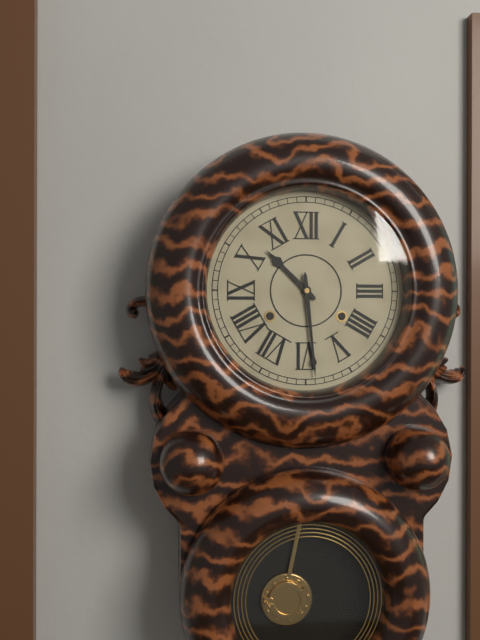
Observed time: 10h29
